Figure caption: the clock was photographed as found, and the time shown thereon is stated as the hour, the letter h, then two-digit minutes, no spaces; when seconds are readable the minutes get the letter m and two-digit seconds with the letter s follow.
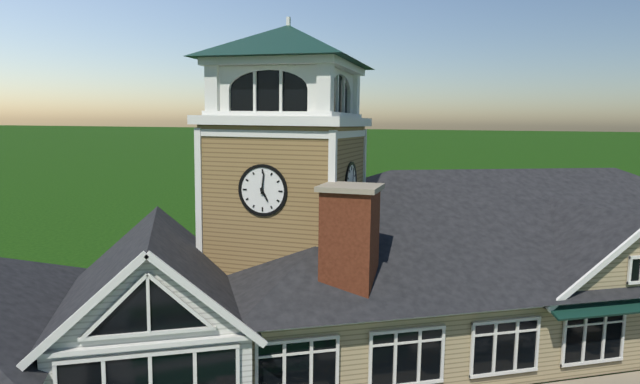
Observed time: 5h01
